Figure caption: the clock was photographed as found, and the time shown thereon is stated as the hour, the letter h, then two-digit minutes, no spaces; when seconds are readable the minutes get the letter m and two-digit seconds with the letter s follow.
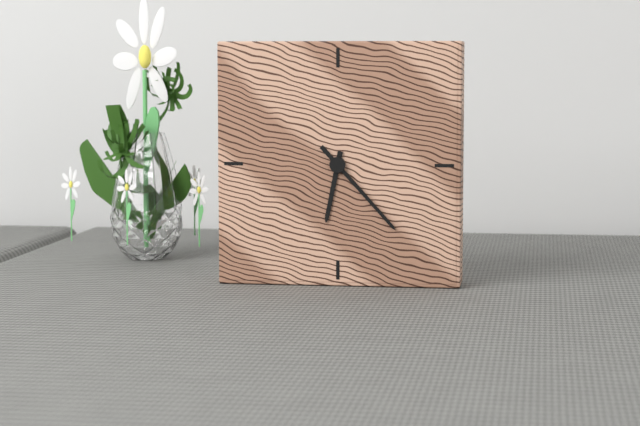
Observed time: 6h23
